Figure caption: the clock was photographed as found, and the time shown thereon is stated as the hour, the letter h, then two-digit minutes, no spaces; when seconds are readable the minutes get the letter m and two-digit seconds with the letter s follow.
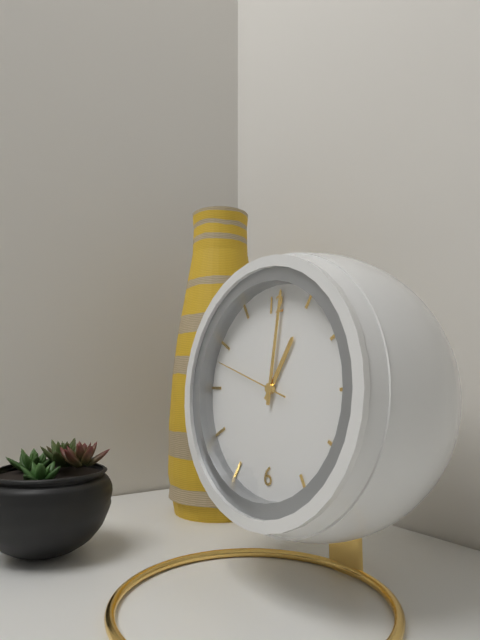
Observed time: 1h01m48s
